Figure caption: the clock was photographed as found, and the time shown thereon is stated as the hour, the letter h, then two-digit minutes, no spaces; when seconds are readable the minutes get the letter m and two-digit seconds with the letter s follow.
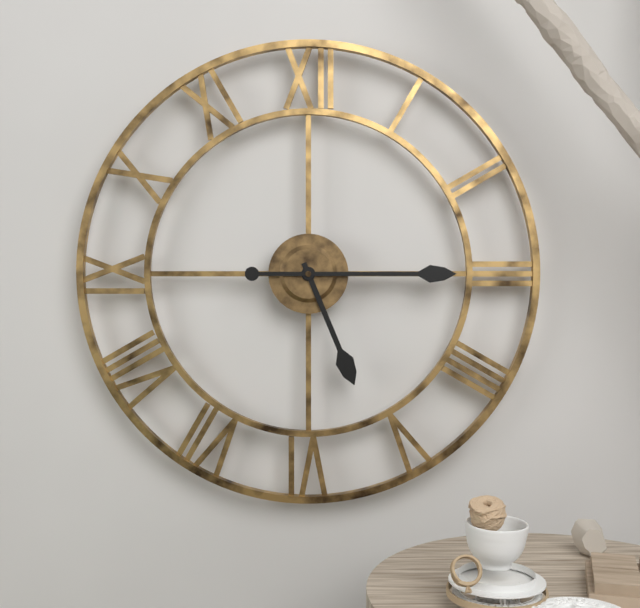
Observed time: 5h15
